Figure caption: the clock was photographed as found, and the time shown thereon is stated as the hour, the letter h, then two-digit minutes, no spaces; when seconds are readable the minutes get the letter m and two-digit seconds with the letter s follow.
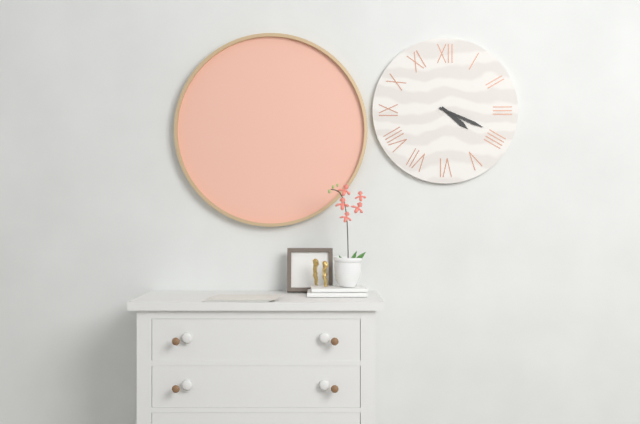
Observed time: 4h19
